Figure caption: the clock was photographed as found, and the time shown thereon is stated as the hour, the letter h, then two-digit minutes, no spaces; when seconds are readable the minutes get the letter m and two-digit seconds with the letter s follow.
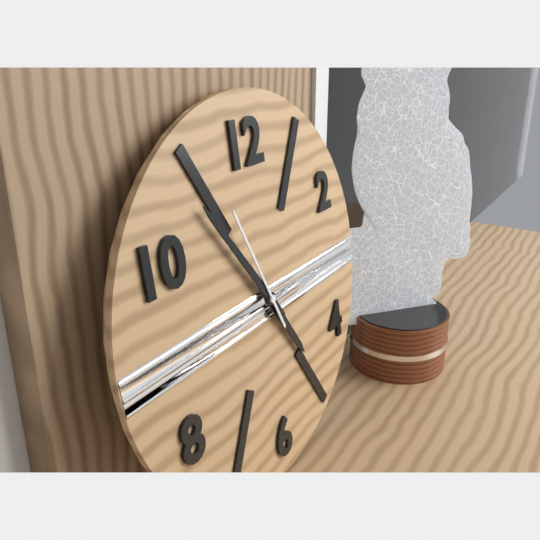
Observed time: 4h54m56s
